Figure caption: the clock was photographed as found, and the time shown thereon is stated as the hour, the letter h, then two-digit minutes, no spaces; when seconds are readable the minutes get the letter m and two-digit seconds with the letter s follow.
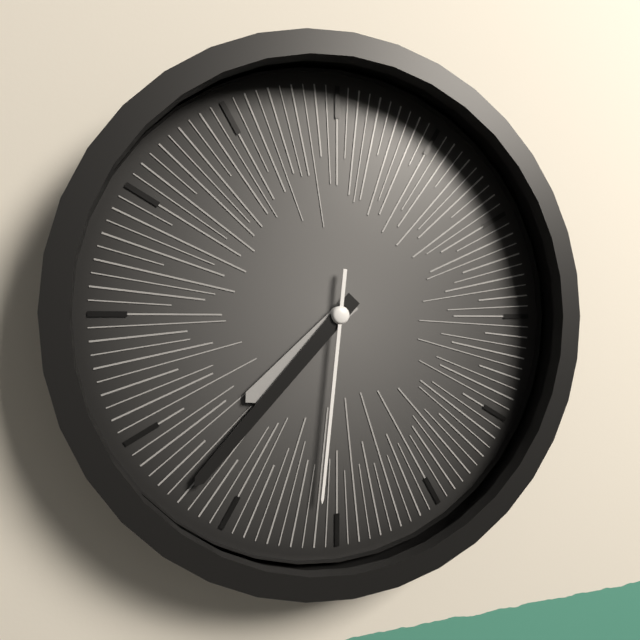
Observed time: 7h37m31s
